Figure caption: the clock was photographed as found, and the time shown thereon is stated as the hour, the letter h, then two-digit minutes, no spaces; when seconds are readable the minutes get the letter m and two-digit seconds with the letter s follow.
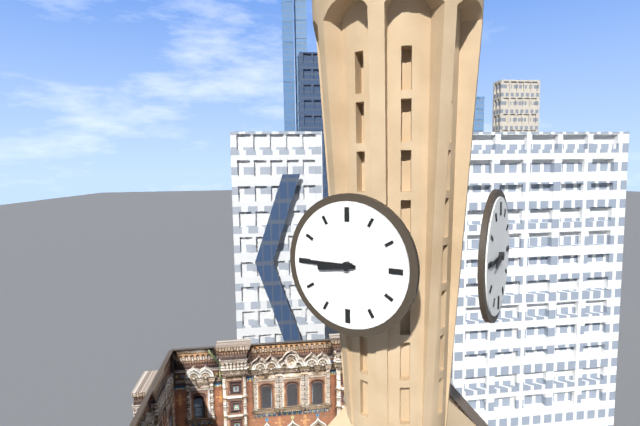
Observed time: 8h45
